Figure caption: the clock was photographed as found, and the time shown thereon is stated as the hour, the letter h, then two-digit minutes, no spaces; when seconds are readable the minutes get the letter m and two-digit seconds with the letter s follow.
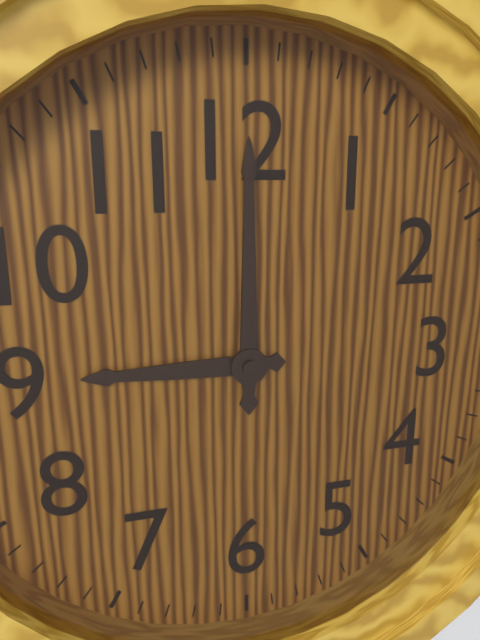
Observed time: 9h00
